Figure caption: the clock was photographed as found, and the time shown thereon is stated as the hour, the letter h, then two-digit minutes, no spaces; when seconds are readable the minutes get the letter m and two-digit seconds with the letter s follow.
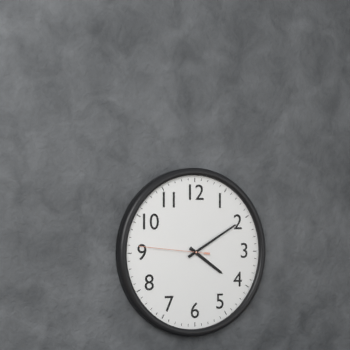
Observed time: 4h10m46s
